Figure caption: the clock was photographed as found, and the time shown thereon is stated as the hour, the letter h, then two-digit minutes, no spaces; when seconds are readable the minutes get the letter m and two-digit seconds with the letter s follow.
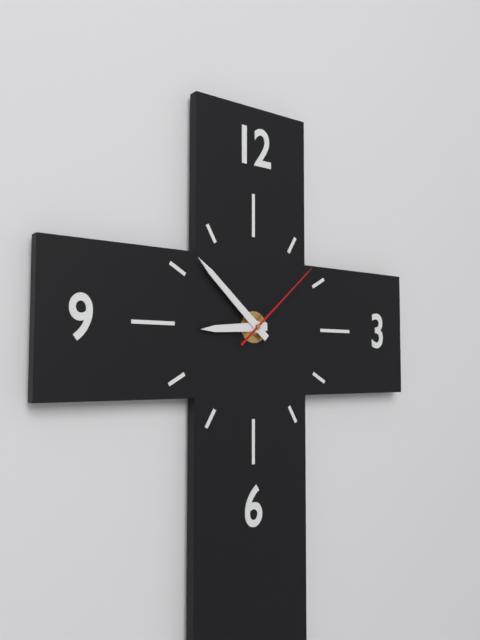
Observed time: 8h52m08s
